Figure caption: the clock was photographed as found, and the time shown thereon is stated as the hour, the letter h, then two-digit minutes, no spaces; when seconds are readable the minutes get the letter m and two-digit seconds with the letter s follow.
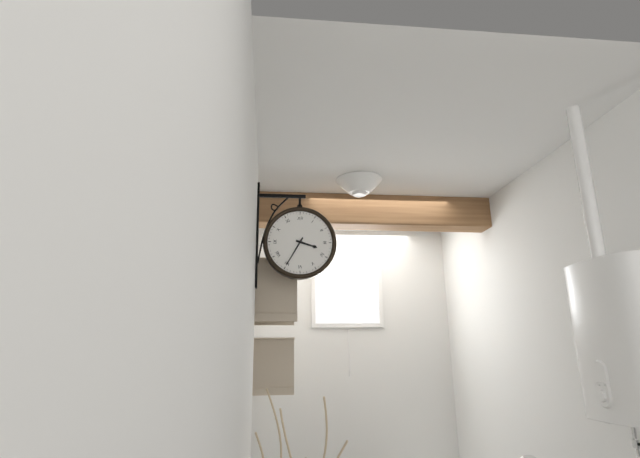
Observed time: 3h35
